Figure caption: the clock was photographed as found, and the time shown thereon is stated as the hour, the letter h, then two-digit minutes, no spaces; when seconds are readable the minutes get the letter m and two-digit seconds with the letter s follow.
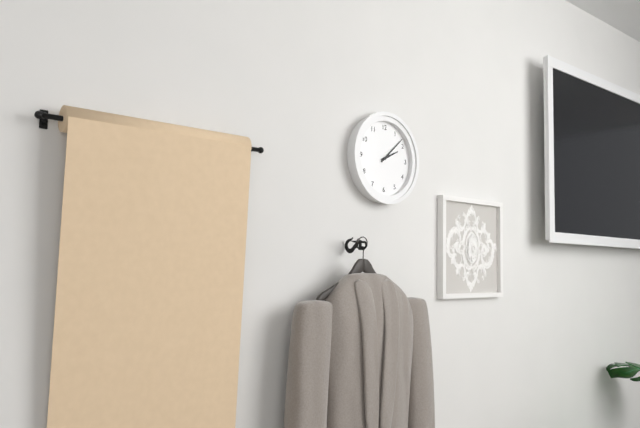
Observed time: 2h08
